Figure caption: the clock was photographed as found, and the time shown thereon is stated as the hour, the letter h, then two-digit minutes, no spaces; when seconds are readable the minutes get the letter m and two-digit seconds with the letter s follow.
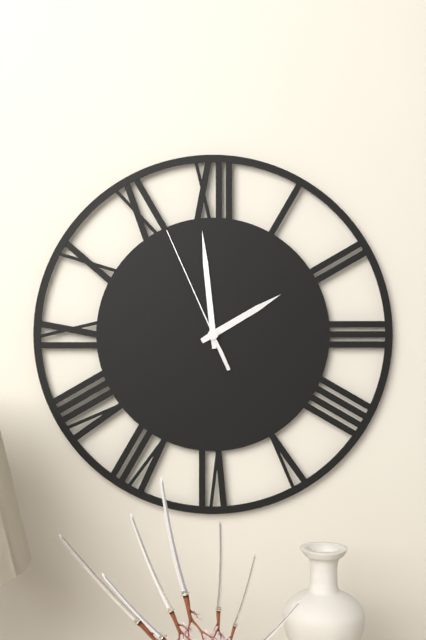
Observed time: 1h59m56s
